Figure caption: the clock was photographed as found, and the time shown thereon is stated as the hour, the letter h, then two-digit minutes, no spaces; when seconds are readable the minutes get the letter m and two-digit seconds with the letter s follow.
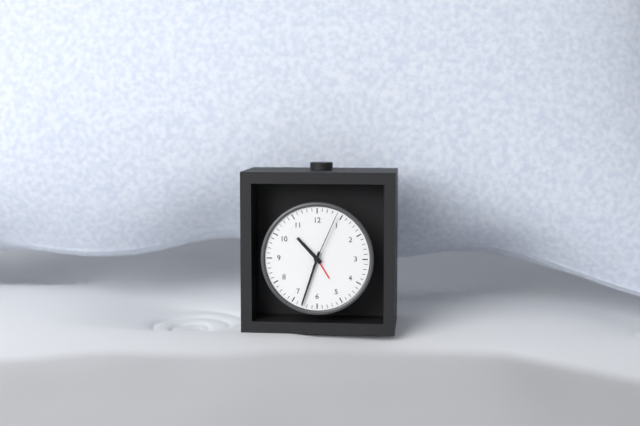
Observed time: 10h33m04s
